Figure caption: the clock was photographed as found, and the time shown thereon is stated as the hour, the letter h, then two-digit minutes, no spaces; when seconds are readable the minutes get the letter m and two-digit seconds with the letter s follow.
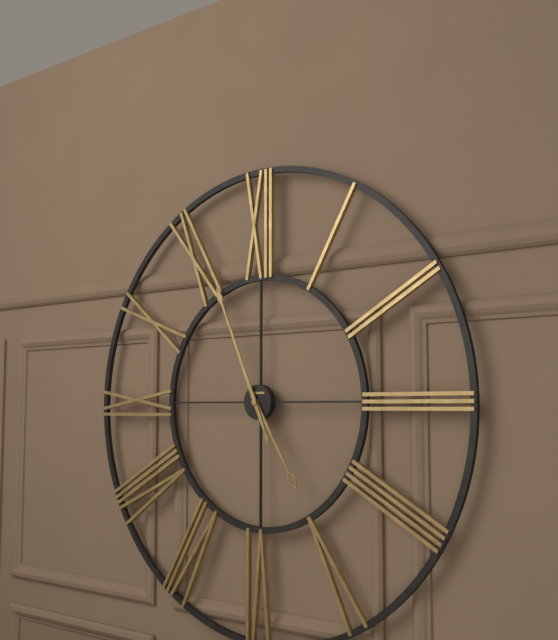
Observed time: 4h56
